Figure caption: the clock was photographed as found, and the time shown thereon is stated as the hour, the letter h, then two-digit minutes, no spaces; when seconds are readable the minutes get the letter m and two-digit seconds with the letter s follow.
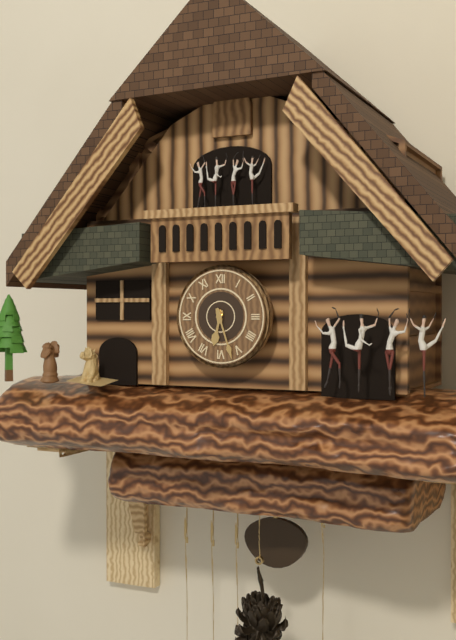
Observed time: 6h27
